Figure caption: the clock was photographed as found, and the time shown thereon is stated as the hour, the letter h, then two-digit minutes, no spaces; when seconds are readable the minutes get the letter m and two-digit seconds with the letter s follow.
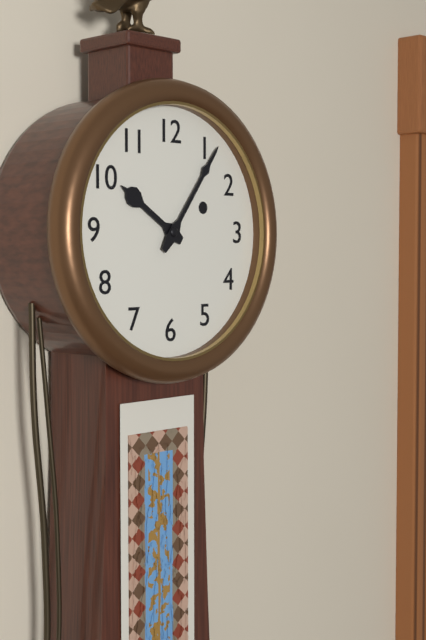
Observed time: 10h06
